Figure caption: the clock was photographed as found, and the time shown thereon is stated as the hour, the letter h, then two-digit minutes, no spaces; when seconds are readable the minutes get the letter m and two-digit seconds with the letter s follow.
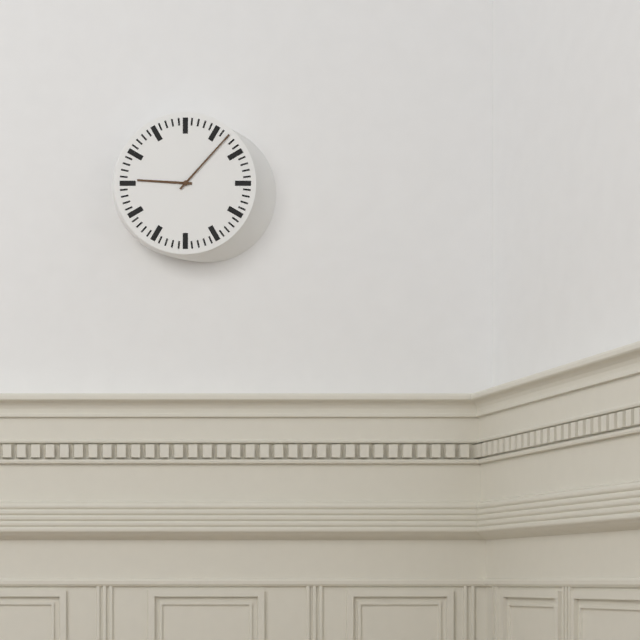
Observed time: 9h07
